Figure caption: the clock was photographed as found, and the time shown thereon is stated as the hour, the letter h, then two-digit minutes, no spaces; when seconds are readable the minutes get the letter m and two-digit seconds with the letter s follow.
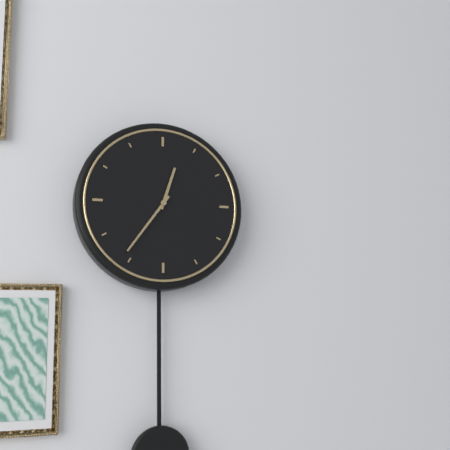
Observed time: 12h36
